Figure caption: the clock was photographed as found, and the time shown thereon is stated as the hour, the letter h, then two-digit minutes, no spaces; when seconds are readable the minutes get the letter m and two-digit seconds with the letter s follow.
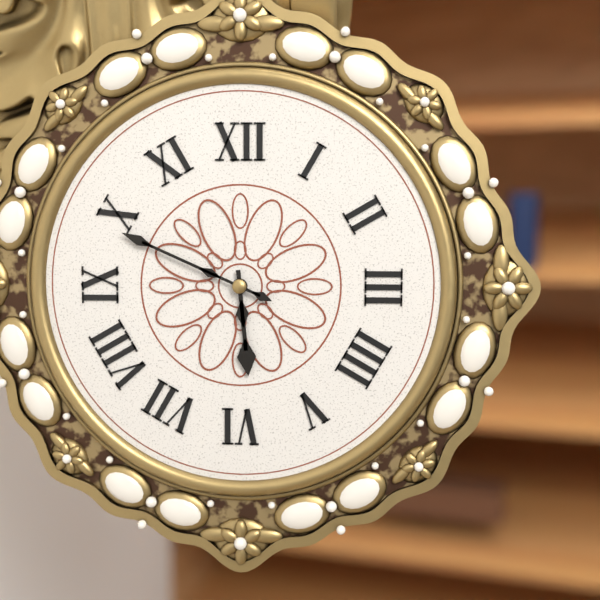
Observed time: 5h49
